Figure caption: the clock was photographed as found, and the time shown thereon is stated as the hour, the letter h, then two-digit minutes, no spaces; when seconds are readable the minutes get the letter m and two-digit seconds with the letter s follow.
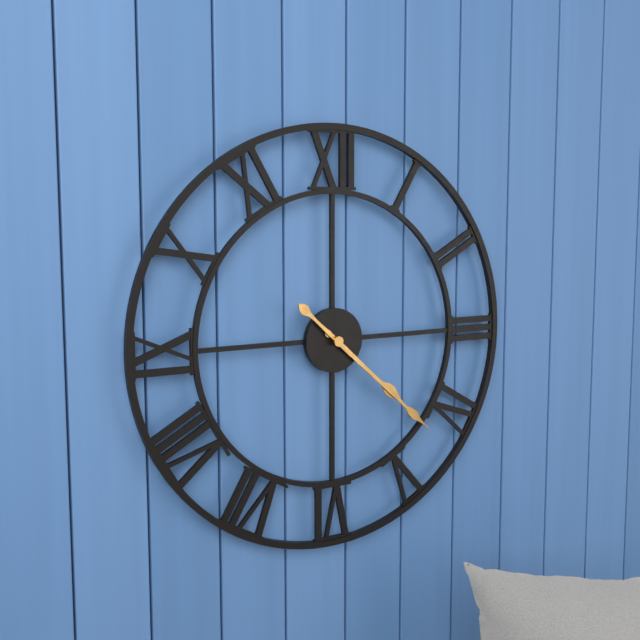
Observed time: 4h22
